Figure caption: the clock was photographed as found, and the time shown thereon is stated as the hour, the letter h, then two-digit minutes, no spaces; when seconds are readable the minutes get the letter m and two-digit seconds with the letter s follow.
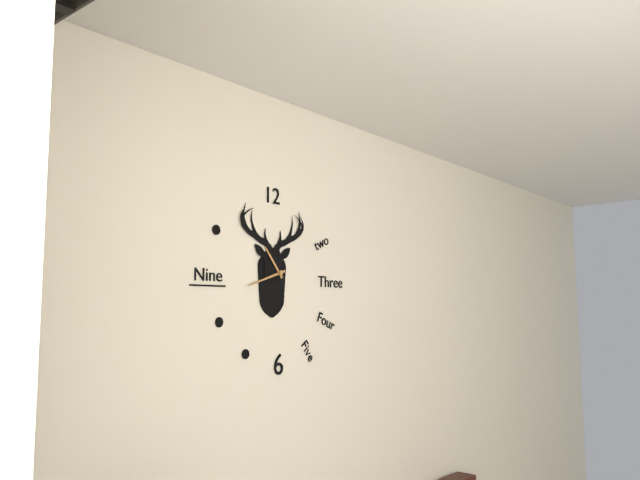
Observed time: 10h42
